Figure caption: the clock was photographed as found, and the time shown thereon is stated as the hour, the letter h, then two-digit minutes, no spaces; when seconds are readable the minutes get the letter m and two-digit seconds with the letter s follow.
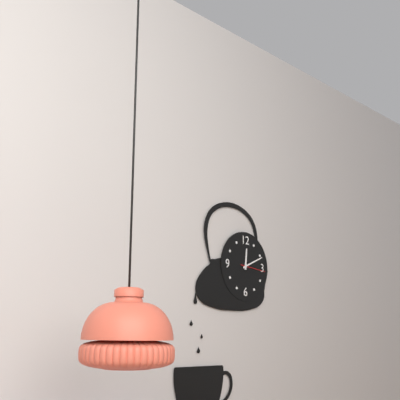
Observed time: 12h11
